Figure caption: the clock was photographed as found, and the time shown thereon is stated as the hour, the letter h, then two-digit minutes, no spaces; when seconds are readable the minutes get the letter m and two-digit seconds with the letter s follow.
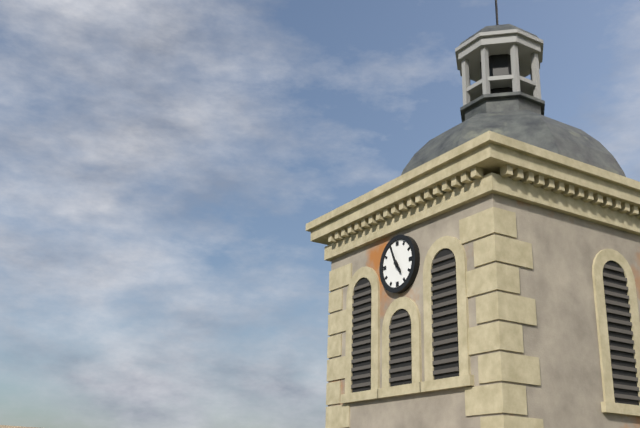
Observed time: 4h56
